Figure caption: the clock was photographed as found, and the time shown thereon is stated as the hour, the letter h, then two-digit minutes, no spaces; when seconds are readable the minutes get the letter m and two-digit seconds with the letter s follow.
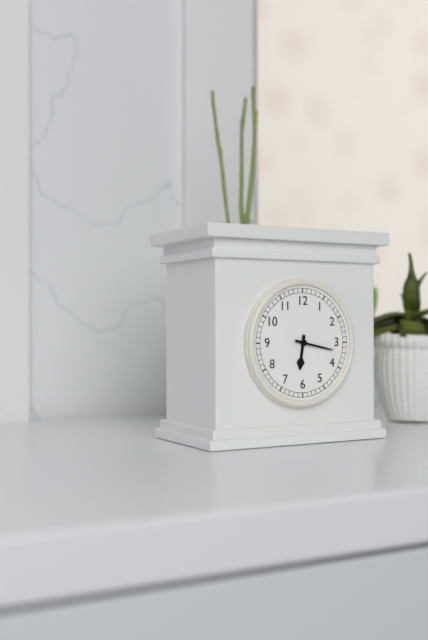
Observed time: 6h17
